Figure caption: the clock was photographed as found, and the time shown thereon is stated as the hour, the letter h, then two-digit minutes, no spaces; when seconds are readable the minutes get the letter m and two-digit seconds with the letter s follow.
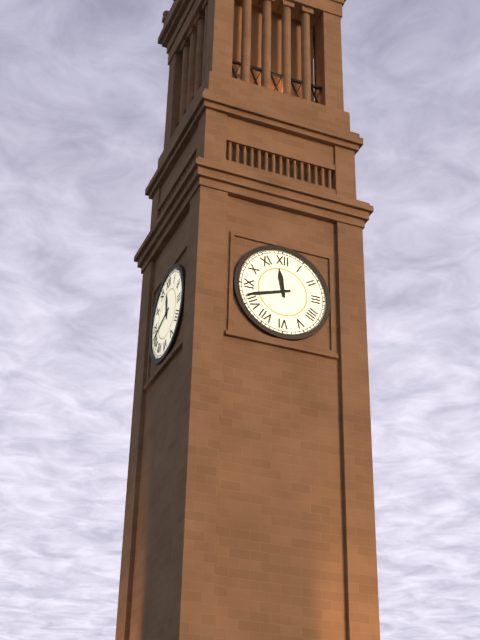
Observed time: 11h42
